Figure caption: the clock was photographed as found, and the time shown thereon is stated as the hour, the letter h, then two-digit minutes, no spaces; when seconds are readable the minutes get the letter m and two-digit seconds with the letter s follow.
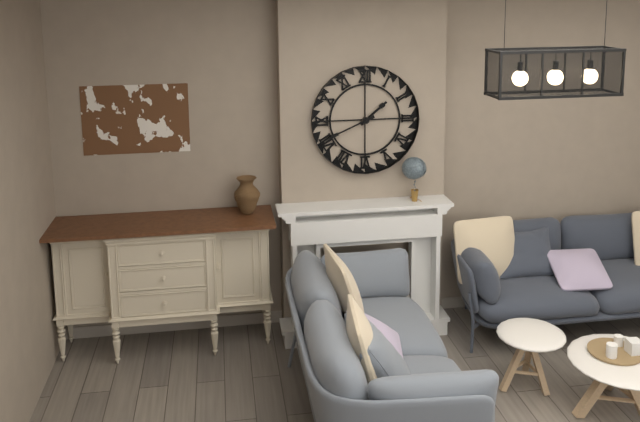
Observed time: 1h41
